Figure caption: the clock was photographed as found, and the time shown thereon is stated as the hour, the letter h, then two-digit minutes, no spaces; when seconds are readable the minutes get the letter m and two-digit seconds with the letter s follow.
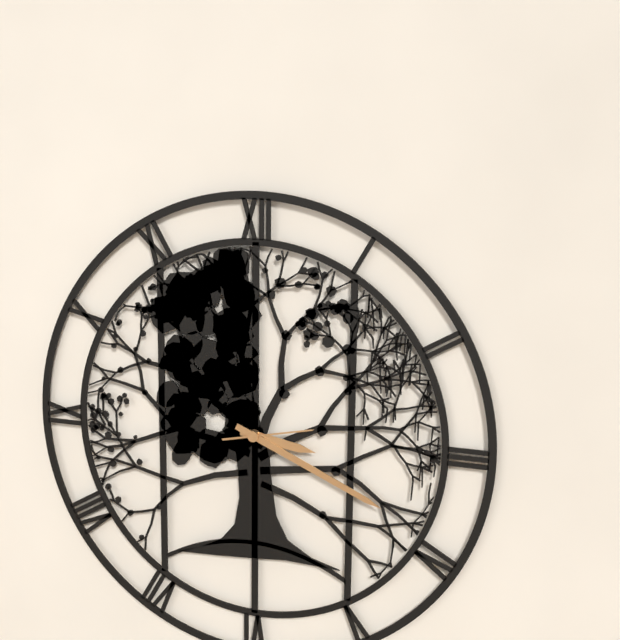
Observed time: 3h19m13s
